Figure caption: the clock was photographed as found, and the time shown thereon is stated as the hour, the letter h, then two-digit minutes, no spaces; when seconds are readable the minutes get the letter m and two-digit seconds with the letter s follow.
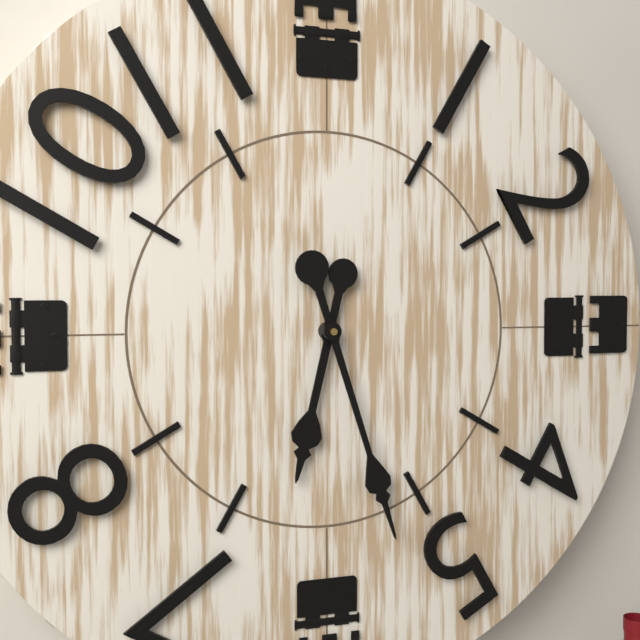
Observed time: 6h27
